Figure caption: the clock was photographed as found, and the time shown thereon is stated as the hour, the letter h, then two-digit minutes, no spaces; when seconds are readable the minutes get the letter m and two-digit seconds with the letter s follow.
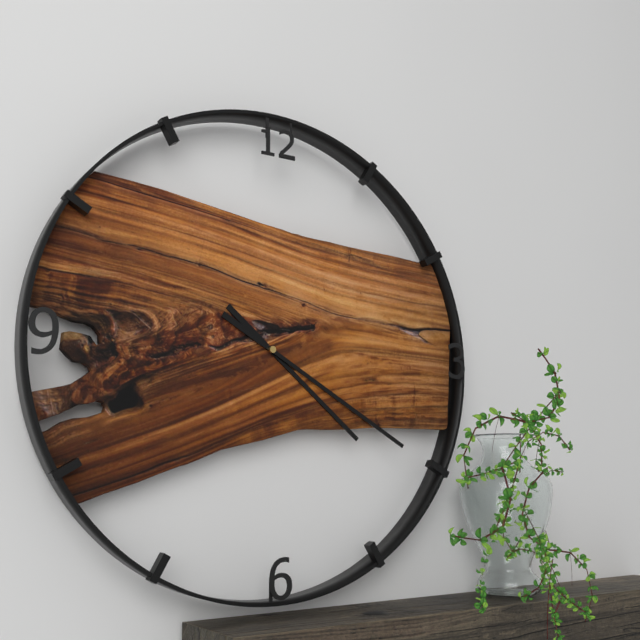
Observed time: 4h20
